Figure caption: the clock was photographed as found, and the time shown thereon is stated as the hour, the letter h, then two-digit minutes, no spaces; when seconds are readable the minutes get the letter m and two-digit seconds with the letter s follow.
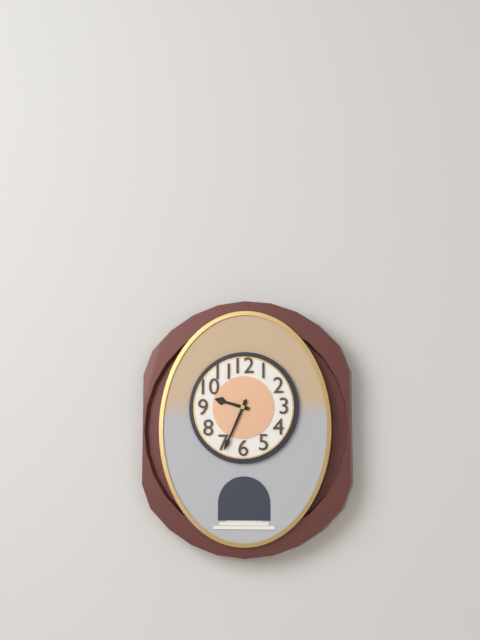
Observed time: 9h34
